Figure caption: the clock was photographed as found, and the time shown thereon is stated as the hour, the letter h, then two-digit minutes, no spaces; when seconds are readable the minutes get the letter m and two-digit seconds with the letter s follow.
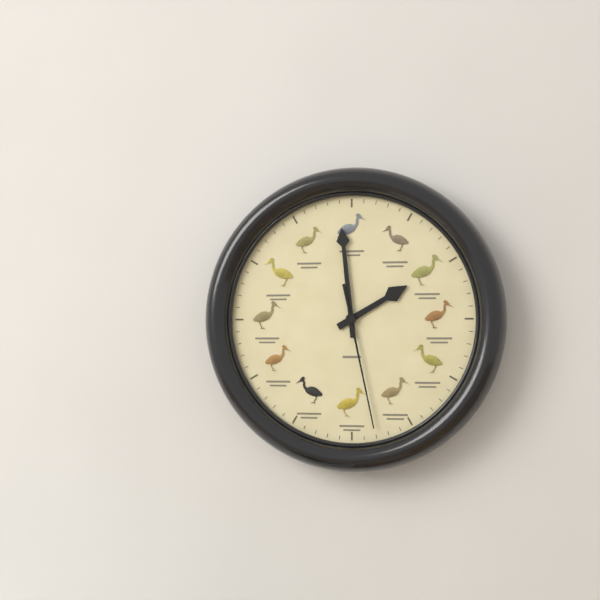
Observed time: 1h59m28s
